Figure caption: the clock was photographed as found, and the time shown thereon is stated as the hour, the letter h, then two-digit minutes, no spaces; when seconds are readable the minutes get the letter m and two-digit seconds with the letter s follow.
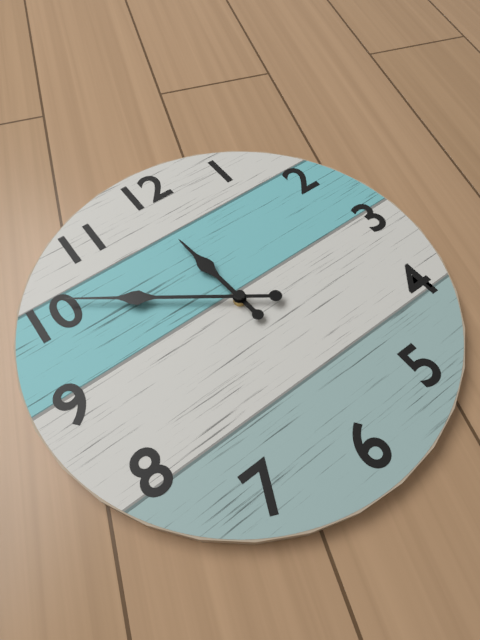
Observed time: 11h51
